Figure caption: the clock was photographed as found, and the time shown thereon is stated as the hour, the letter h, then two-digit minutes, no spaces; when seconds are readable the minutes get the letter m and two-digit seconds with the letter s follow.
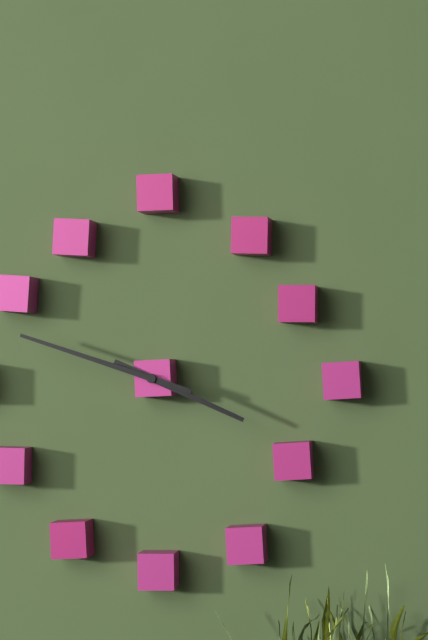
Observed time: 3h48
